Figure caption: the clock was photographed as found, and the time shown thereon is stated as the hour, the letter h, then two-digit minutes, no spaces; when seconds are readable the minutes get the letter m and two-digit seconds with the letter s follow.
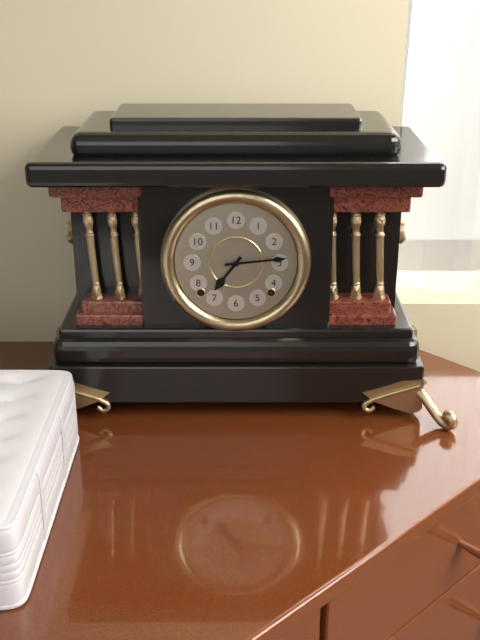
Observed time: 7h14
